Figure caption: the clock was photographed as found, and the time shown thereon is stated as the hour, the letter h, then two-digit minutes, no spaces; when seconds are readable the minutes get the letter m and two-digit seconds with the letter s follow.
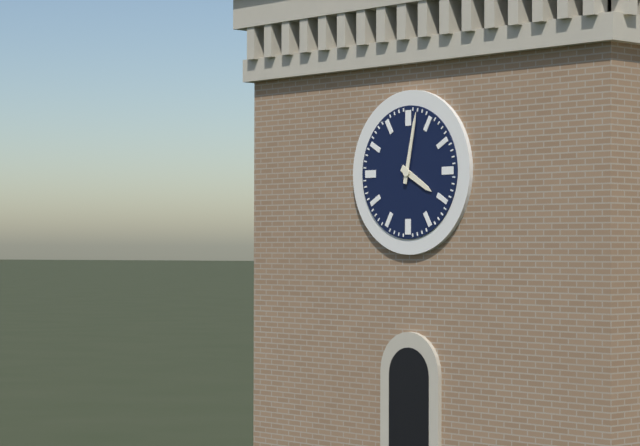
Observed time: 4h02
